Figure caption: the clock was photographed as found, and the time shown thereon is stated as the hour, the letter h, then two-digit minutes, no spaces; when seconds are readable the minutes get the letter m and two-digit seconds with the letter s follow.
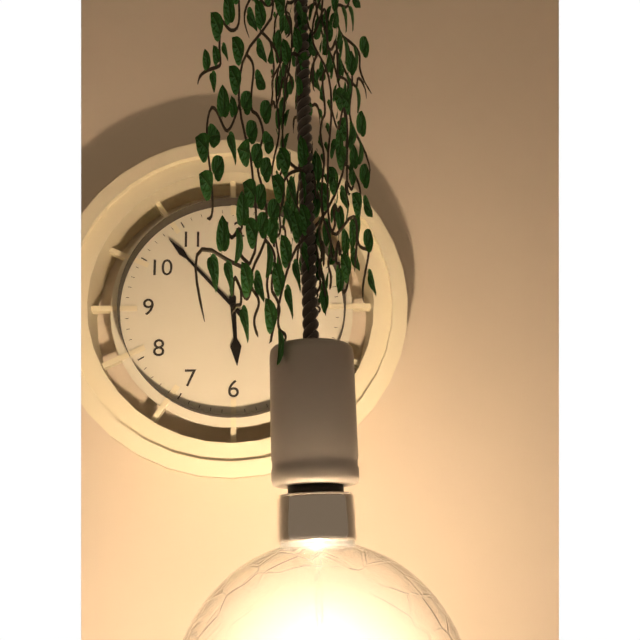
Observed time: 5h53
